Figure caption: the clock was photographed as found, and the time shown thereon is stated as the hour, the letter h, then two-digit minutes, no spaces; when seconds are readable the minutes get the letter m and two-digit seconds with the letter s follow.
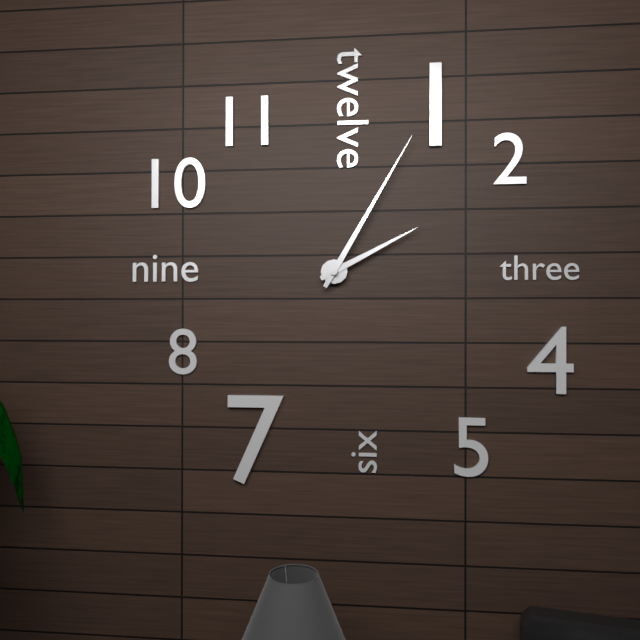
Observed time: 2h05
